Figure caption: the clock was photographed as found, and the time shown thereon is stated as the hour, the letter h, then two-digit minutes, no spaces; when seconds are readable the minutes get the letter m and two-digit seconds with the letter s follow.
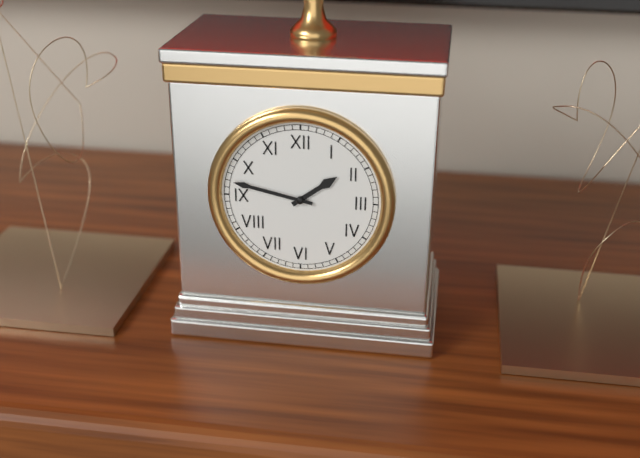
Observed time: 1h47
